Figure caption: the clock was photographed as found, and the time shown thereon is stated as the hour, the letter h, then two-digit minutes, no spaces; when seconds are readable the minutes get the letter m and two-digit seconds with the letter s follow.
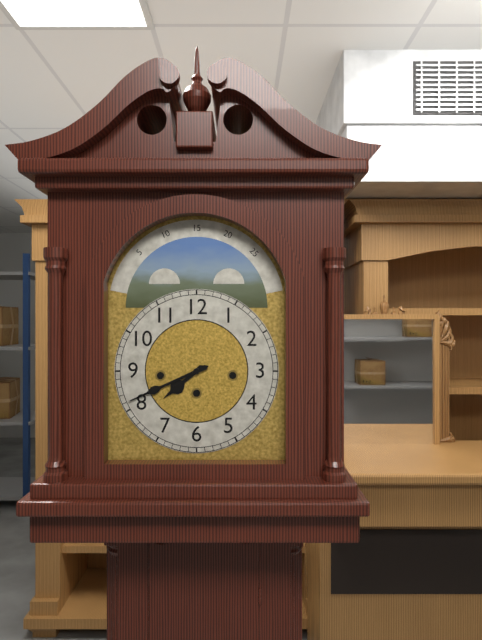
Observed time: 7h41
